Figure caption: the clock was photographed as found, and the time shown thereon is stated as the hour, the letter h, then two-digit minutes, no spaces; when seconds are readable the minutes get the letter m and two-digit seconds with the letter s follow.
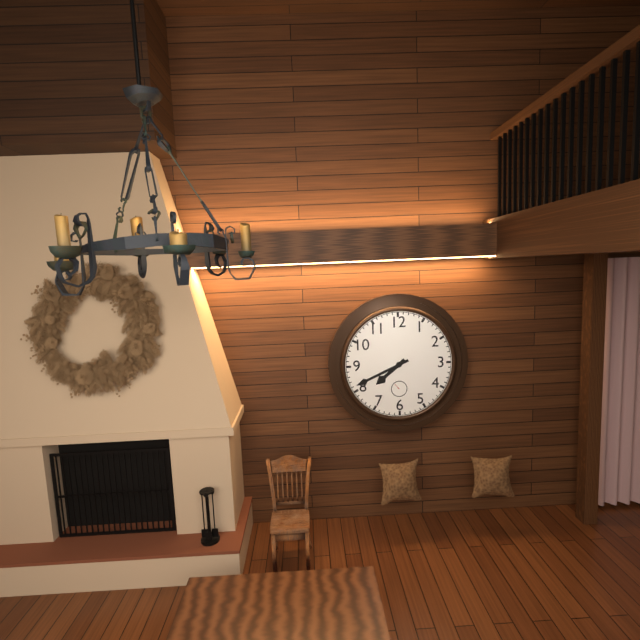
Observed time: 7h41
